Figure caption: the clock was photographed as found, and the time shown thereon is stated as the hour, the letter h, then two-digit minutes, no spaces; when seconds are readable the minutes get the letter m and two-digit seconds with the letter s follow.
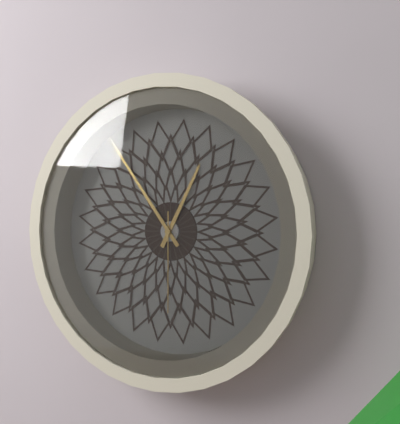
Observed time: 12h54m30s
